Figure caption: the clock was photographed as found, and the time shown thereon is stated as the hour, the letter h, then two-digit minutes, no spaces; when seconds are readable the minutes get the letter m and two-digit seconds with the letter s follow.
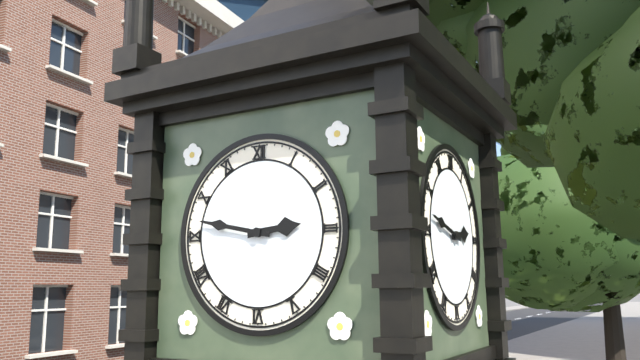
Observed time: 2h47
